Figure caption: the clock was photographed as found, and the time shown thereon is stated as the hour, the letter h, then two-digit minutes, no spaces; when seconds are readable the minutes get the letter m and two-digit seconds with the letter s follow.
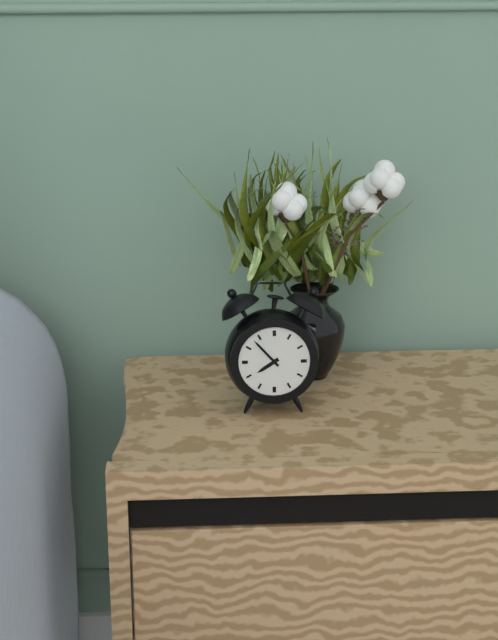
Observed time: 7h53
